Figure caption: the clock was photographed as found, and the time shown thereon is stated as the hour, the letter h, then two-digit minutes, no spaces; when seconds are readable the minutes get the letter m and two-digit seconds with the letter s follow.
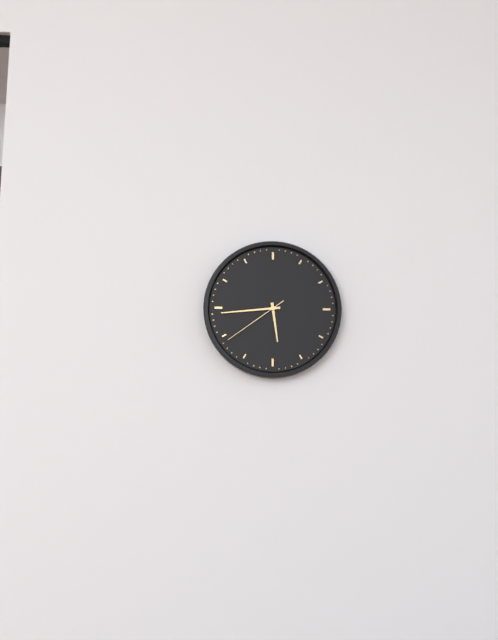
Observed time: 5h44m39s
